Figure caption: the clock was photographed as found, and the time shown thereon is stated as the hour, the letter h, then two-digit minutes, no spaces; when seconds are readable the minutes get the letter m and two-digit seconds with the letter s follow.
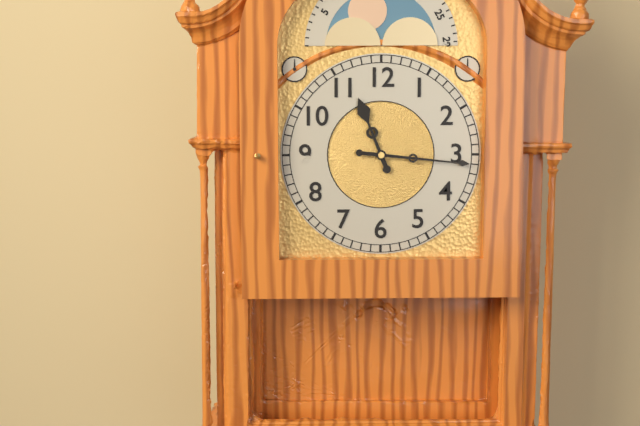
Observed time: 11h16
